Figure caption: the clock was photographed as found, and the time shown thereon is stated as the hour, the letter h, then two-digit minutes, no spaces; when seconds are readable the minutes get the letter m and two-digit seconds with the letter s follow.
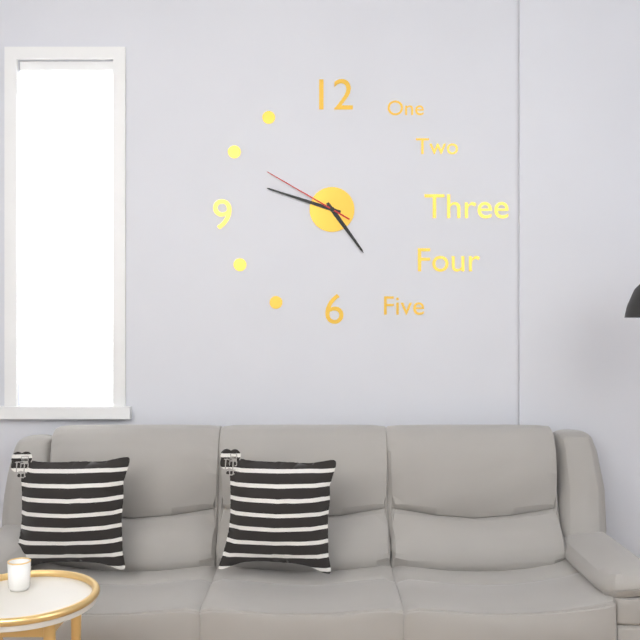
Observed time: 4h48m50s
